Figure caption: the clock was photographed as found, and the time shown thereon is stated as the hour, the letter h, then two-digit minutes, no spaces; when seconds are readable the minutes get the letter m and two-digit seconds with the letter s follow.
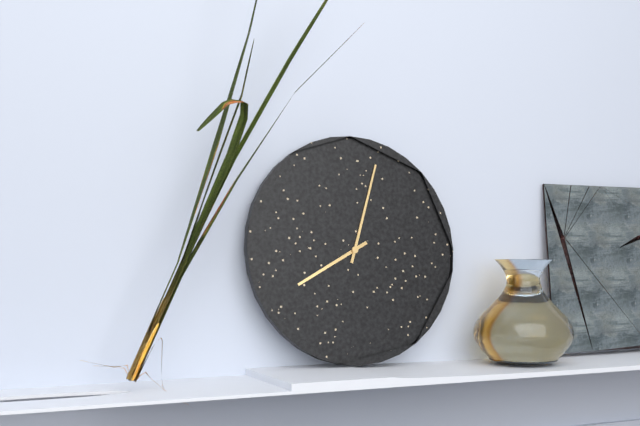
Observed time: 8h03
